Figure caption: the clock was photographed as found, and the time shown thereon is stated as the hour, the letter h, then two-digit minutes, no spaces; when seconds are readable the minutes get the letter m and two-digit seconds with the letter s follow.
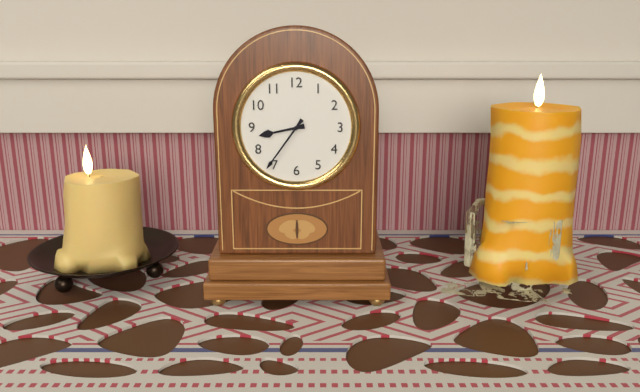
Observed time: 8h36
